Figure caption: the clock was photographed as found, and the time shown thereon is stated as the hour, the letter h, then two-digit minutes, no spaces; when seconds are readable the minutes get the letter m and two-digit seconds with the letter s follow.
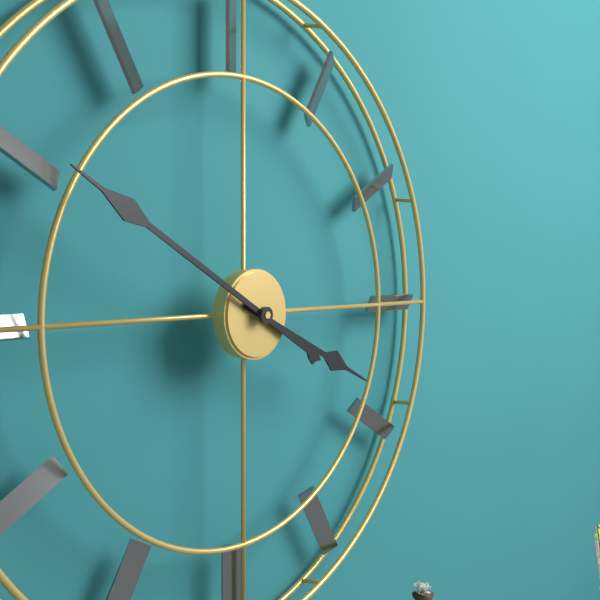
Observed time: 3h50
